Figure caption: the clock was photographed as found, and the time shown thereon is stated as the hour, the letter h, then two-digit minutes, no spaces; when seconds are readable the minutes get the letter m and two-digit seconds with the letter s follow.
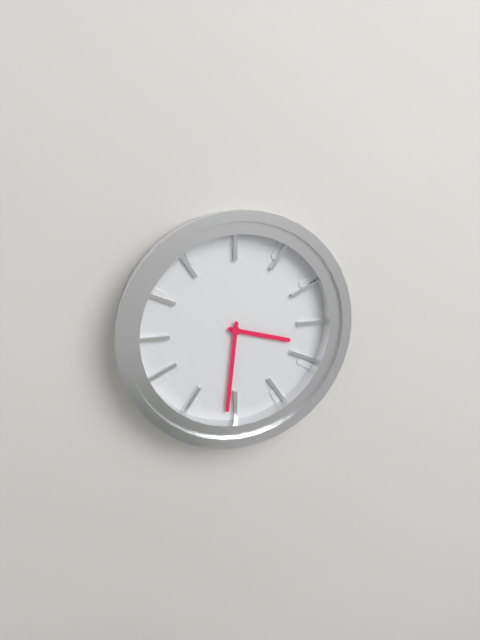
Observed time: 3h31
